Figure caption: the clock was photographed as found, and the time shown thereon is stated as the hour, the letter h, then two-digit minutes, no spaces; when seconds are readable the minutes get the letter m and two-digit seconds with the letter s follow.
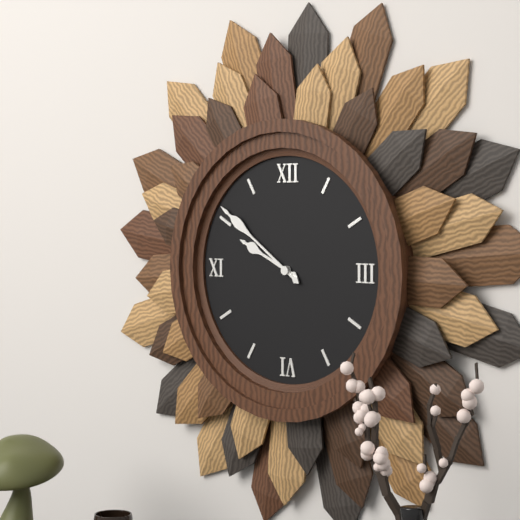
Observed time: 9h51
